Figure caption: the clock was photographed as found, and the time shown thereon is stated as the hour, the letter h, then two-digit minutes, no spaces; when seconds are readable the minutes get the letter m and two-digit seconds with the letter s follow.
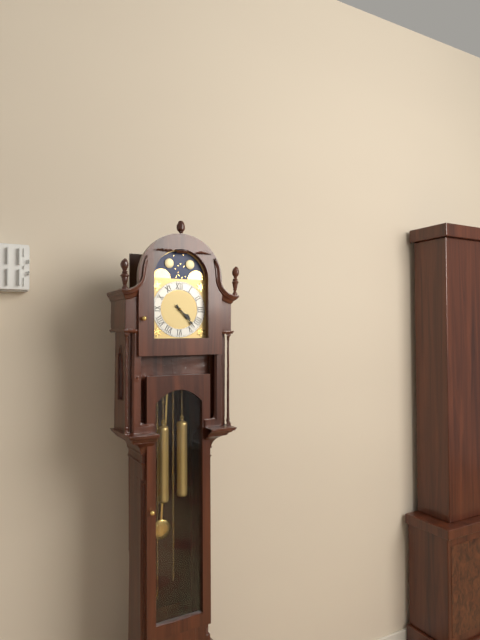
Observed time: 4h23
